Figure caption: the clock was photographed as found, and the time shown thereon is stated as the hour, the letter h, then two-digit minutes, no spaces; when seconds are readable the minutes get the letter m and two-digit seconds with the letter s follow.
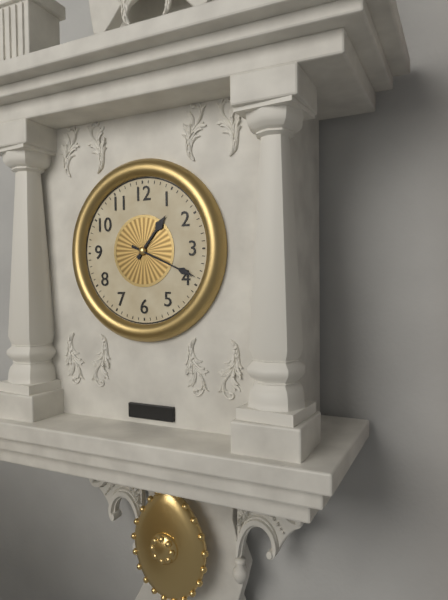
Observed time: 1h19
